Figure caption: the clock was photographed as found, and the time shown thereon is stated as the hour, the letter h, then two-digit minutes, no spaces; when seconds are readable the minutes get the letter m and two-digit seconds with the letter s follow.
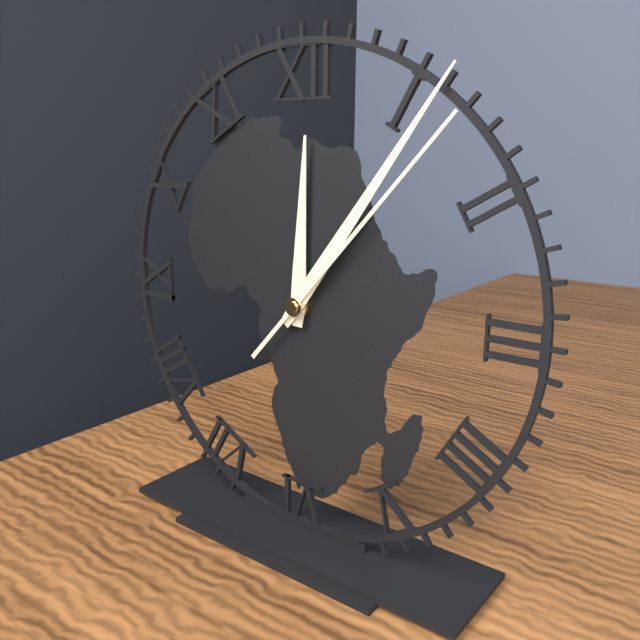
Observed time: 12h06m07s
